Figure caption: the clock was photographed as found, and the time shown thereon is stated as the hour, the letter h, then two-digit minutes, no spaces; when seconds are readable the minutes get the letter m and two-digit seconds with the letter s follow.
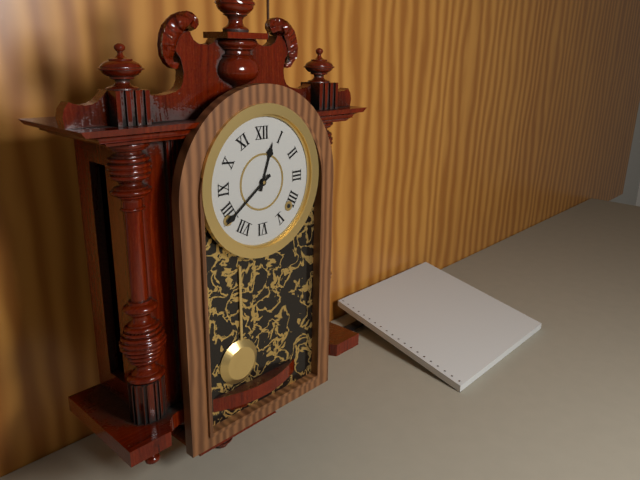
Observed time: 12h39
